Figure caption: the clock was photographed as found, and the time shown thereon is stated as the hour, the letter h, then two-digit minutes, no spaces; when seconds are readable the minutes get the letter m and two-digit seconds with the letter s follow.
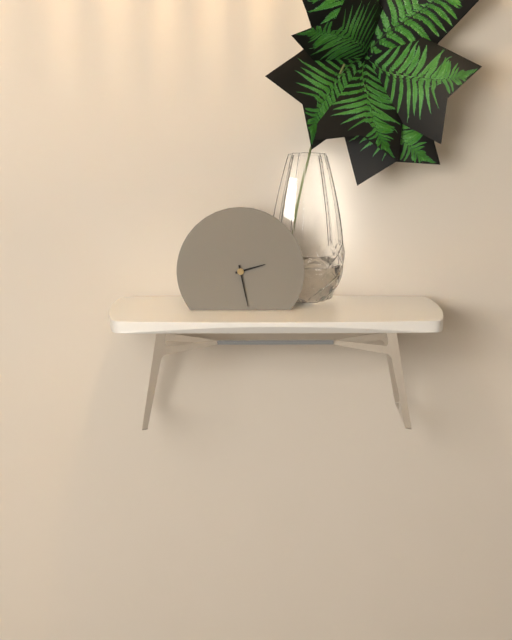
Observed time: 2h28
